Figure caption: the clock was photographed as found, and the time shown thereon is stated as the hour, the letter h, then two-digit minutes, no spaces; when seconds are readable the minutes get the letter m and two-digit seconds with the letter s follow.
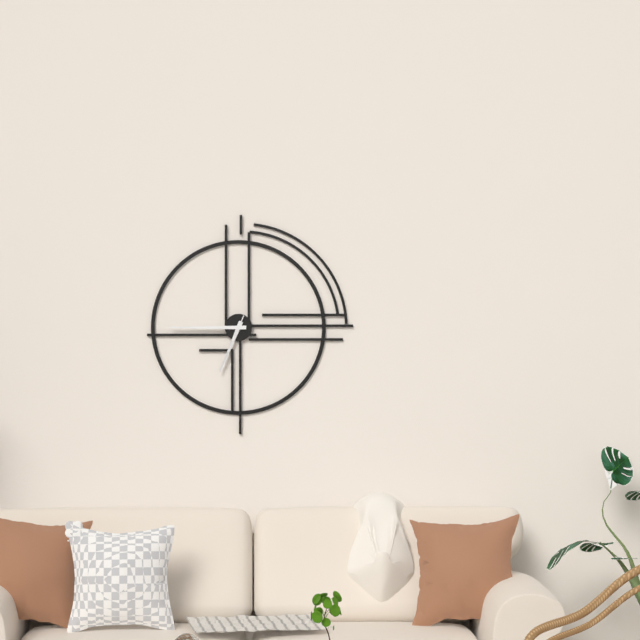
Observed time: 6h45m34s
